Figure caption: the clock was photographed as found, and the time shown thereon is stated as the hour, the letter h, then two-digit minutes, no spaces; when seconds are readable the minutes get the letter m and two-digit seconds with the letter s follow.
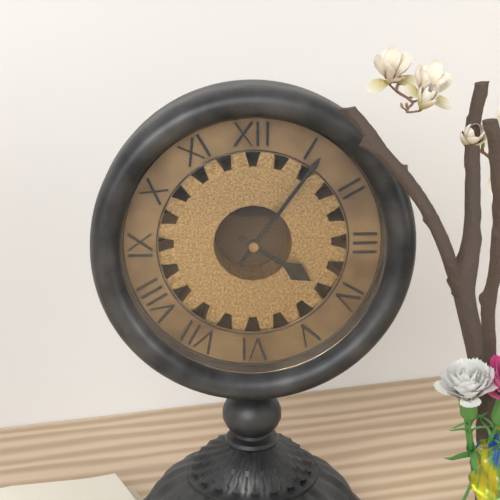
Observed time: 4h06
